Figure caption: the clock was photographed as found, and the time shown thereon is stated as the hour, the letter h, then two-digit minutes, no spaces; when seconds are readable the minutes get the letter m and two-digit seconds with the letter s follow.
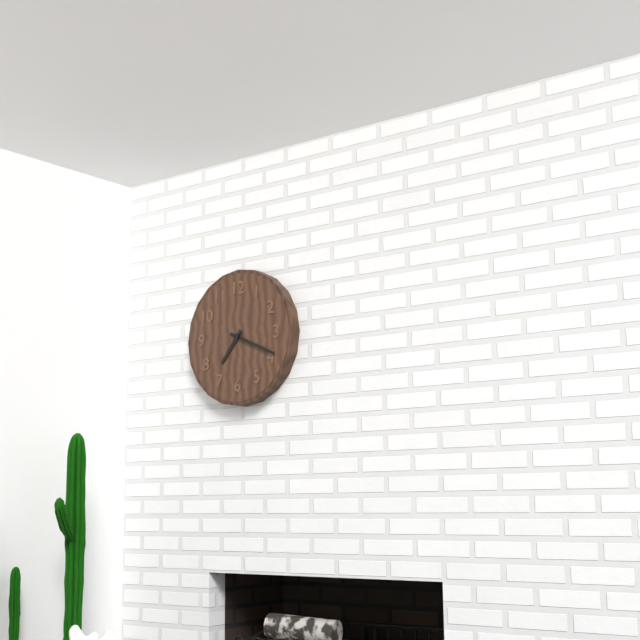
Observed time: 7h19
